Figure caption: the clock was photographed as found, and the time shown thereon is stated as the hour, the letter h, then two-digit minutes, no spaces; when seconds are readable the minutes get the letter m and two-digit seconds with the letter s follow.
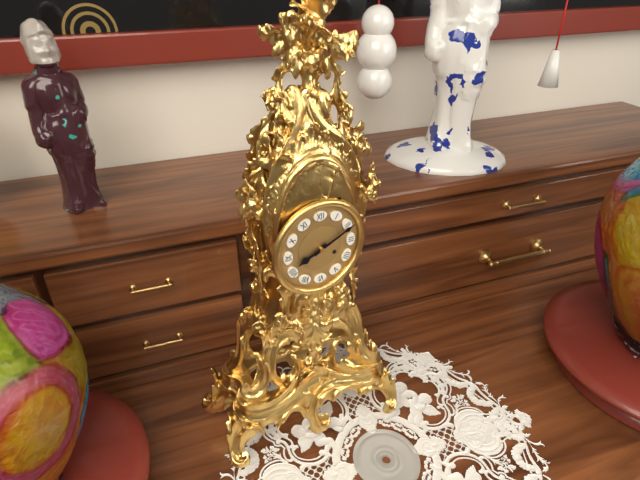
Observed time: 8h11
